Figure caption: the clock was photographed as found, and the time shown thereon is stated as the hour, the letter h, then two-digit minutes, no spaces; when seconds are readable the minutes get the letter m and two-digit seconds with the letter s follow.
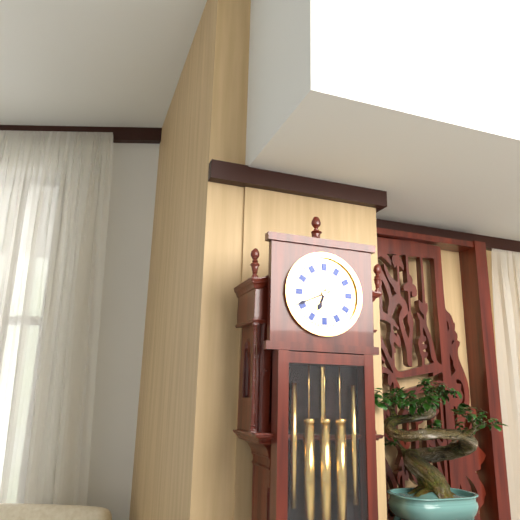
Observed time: 6h41
